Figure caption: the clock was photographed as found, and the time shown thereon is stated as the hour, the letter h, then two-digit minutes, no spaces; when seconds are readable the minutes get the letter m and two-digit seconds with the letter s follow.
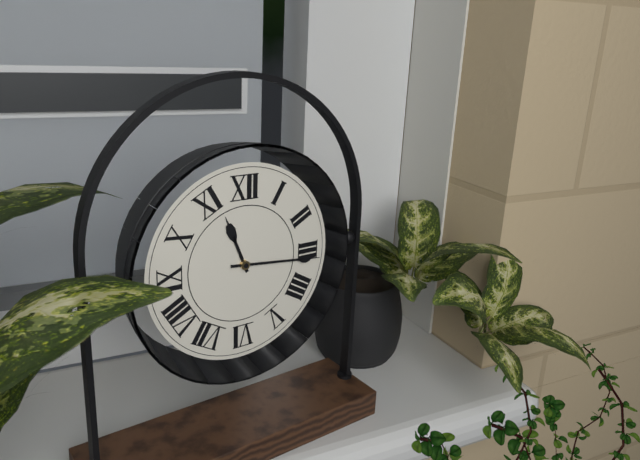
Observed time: 11h16
